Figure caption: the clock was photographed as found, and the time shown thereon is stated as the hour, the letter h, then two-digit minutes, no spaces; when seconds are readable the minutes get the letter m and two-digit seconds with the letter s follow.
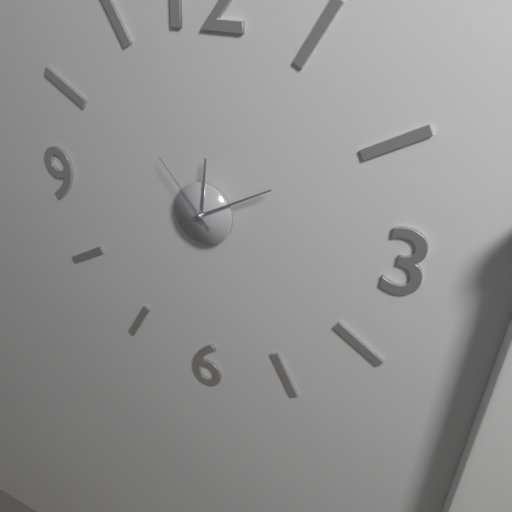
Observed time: 12h10m53s
